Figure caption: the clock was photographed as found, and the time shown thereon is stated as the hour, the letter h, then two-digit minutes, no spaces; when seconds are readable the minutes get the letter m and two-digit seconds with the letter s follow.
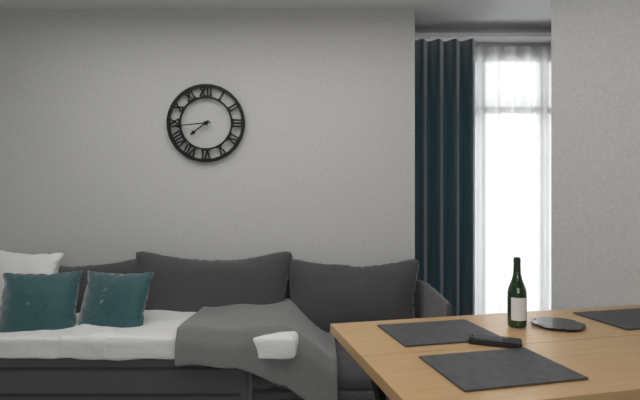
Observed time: 7h44
